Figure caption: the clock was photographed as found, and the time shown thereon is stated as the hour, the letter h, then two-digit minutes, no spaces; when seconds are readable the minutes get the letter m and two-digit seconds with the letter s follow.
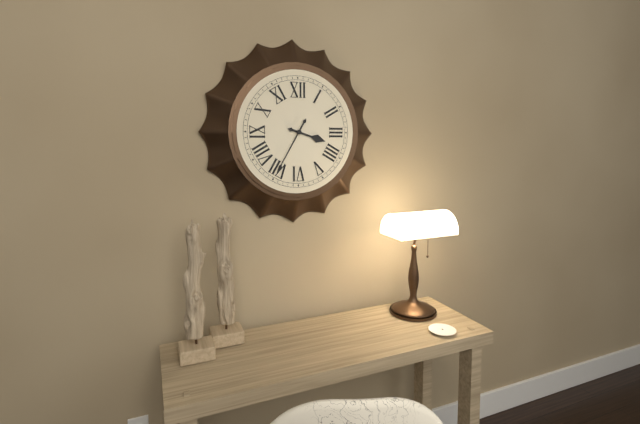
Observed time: 3h35
